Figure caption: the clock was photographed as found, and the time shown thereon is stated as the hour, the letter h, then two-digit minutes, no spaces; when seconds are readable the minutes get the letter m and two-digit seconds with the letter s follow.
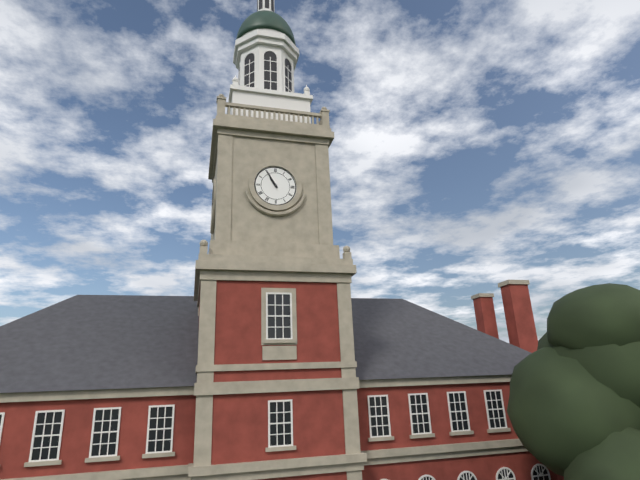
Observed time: 10h55
